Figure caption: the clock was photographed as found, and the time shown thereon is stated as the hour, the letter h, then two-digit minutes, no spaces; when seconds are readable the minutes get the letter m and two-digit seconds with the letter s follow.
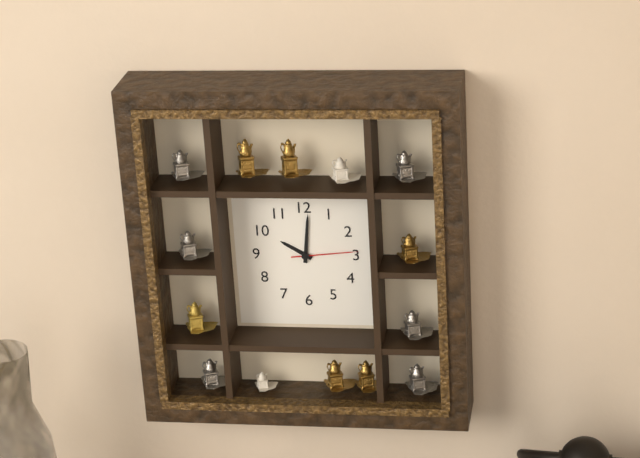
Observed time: 10h01m14s
